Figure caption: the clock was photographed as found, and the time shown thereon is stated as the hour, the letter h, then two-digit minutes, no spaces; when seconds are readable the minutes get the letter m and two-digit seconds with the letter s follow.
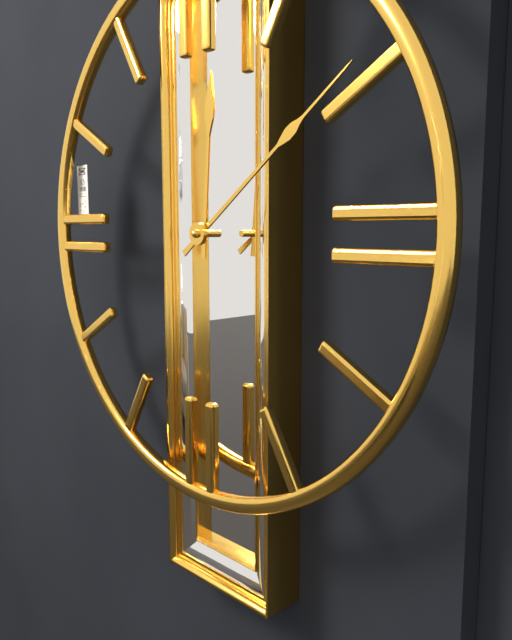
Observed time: 12h09
